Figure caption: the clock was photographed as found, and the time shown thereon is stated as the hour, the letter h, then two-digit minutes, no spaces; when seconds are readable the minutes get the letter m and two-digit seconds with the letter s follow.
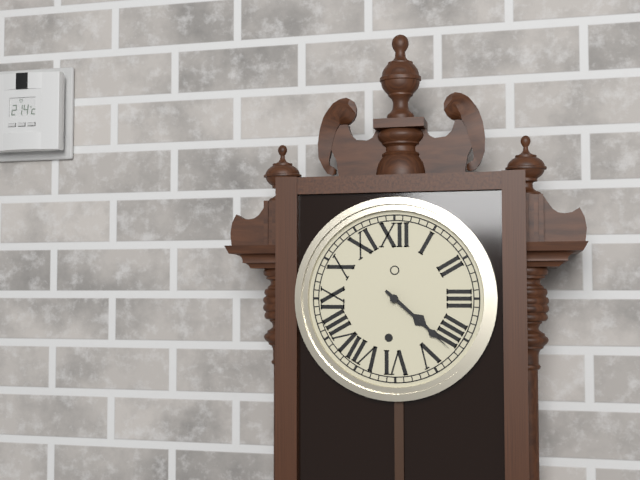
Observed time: 4h22
